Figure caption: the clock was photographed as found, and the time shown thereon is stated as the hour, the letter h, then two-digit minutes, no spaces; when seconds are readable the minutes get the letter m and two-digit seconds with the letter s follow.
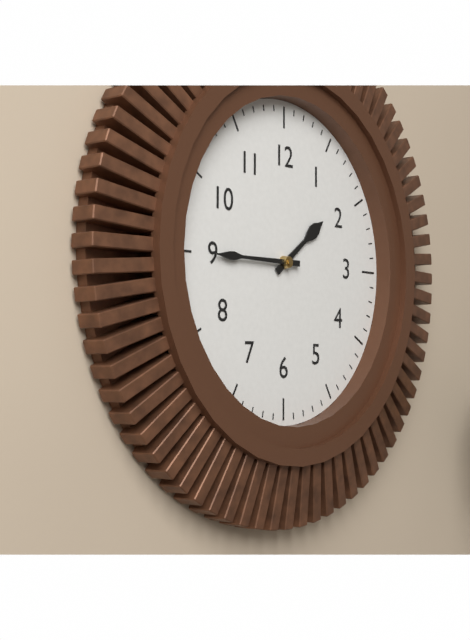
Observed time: 1h45
